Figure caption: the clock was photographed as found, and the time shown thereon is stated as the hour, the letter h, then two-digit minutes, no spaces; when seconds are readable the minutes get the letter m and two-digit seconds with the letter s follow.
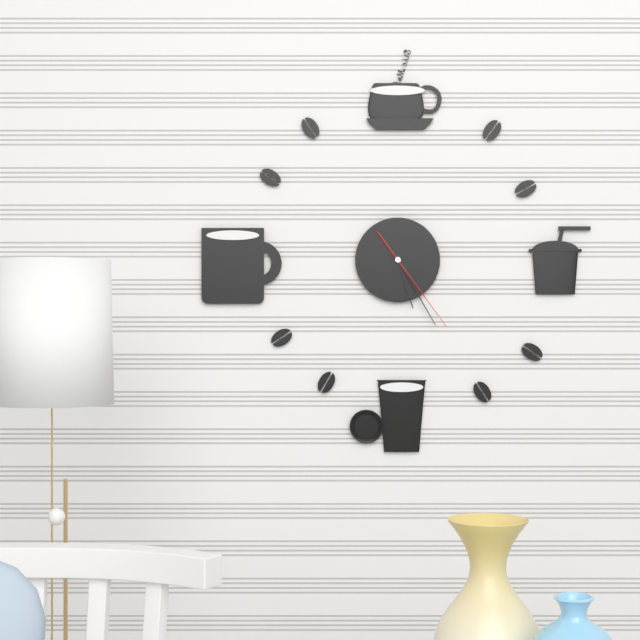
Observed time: 5h25m24s
